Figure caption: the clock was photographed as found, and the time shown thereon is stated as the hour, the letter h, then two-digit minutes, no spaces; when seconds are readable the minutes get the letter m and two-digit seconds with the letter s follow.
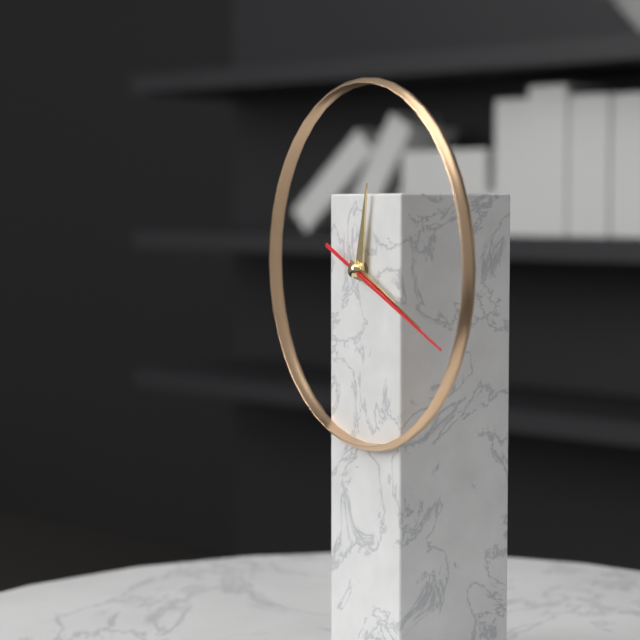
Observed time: 12h19m19s
